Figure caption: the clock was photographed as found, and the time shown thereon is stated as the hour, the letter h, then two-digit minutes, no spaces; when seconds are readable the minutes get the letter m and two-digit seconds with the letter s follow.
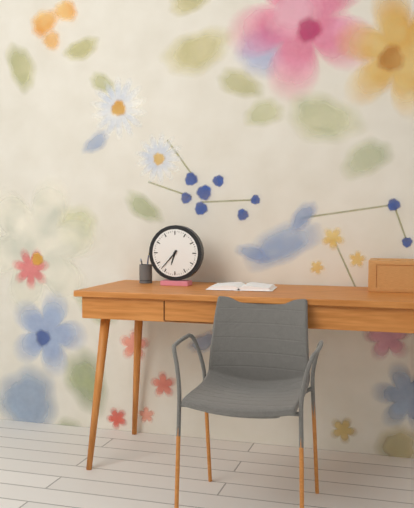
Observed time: 6h37
